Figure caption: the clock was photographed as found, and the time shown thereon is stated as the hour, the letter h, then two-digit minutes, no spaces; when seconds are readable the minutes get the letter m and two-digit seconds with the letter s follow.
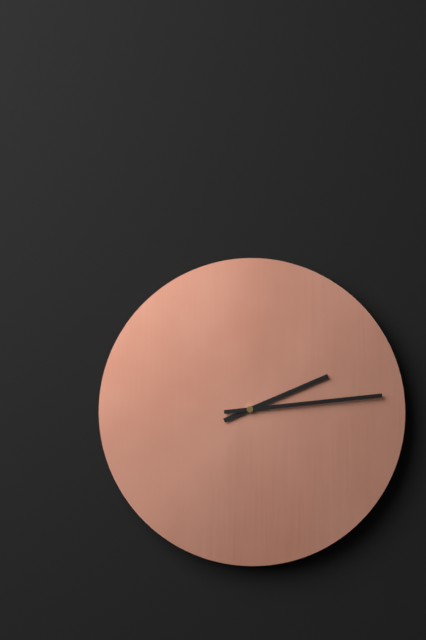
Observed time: 2h14
